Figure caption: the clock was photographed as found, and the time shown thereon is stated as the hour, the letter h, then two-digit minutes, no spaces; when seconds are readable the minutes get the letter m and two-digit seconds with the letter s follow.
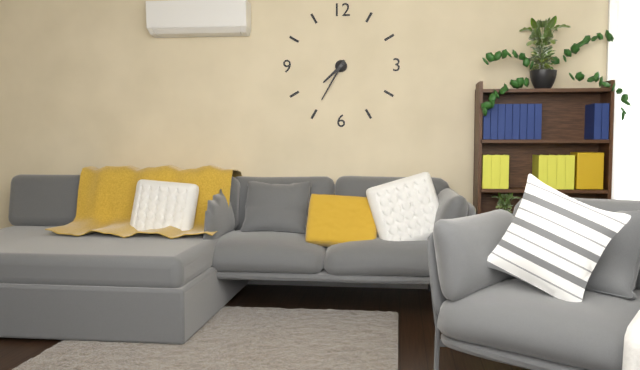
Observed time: 7h35
